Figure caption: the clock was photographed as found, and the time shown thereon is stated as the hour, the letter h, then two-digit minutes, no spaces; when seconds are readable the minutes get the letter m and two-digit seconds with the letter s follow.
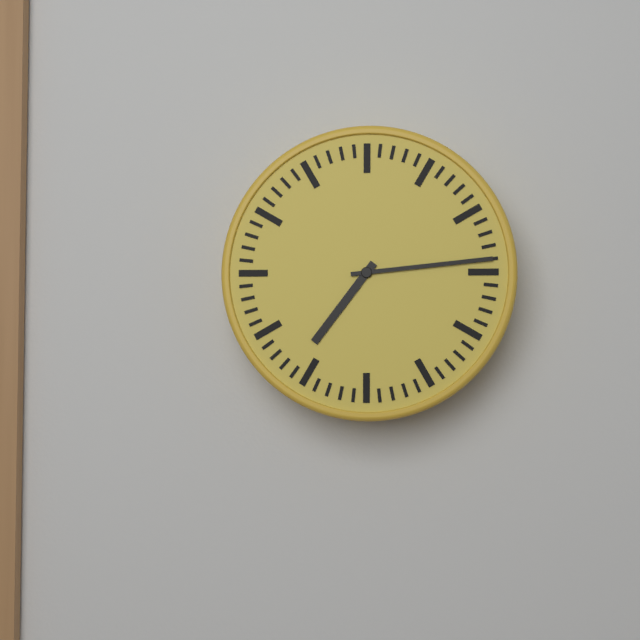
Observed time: 7h14
